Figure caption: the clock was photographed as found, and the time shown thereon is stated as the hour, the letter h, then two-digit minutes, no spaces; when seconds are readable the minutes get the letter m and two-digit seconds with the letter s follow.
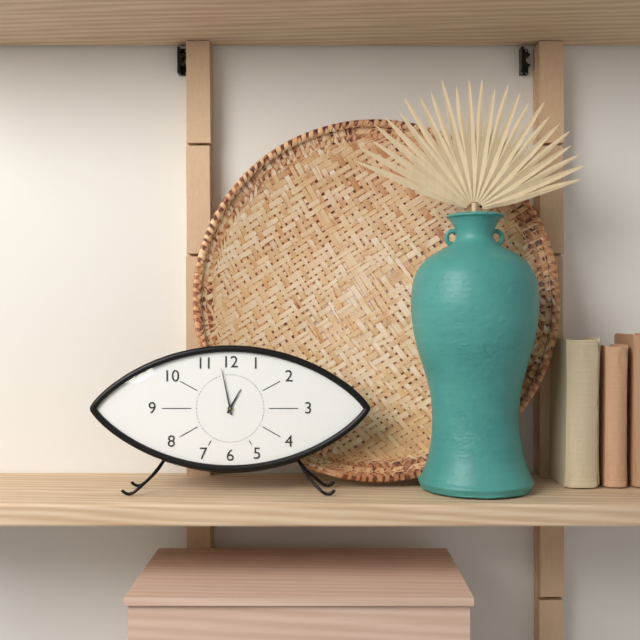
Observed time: 12h58
